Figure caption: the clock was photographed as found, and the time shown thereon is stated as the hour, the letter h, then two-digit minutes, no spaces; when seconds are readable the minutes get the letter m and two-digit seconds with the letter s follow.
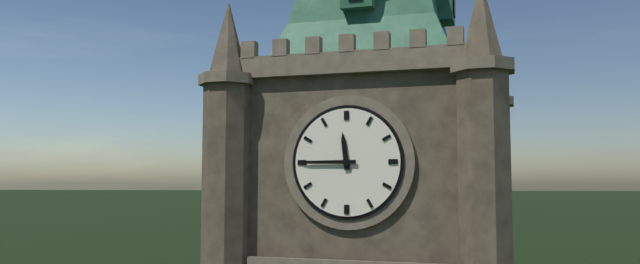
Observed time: 11h45
